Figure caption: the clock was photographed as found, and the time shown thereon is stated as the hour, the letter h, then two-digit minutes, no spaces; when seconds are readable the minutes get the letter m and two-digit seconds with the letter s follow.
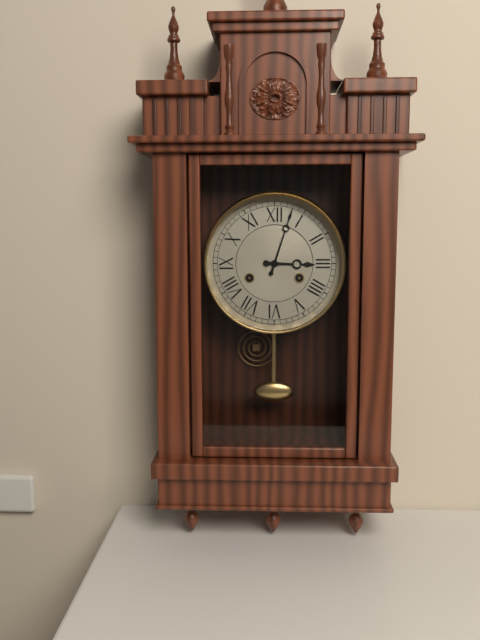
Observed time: 3h03
